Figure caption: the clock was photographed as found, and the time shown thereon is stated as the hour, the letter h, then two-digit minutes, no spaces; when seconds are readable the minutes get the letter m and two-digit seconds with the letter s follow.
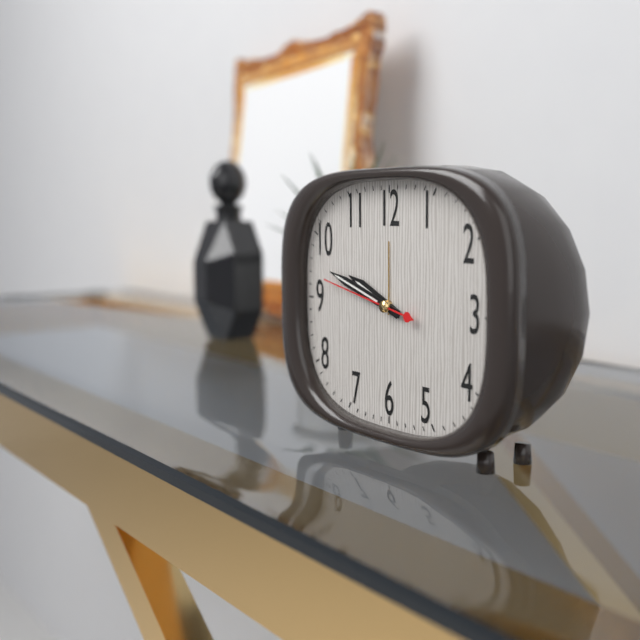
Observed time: 9h48m47s
